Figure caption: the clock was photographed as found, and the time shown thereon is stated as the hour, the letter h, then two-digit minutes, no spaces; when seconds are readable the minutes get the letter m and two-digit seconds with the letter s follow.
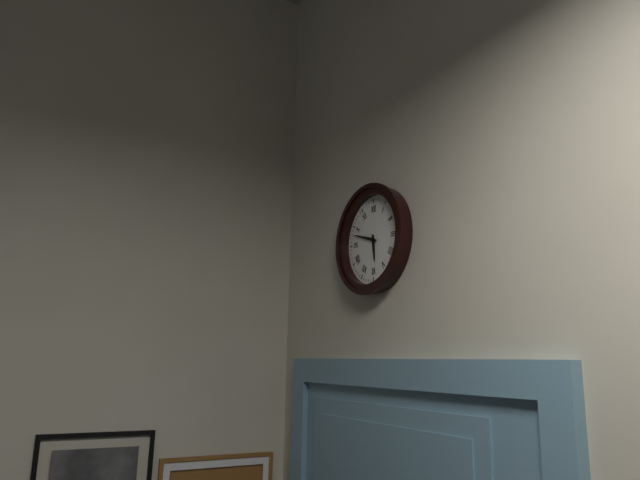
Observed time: 5h48
